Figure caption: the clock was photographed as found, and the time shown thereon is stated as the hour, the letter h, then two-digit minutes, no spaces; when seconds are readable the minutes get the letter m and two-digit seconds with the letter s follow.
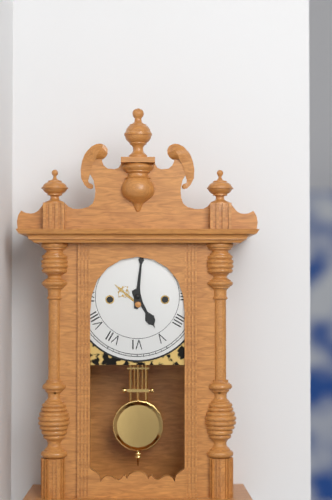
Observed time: 5h01
